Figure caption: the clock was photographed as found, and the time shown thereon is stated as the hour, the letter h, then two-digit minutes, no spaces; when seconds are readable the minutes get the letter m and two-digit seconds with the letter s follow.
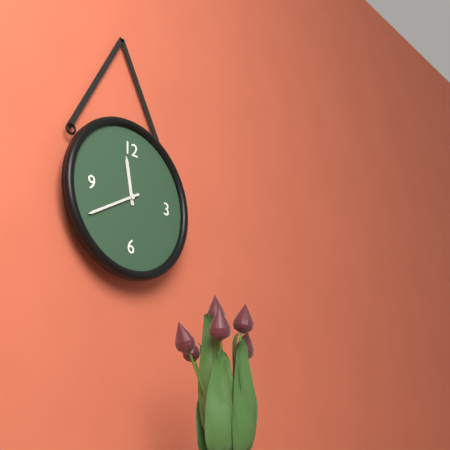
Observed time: 11h40
